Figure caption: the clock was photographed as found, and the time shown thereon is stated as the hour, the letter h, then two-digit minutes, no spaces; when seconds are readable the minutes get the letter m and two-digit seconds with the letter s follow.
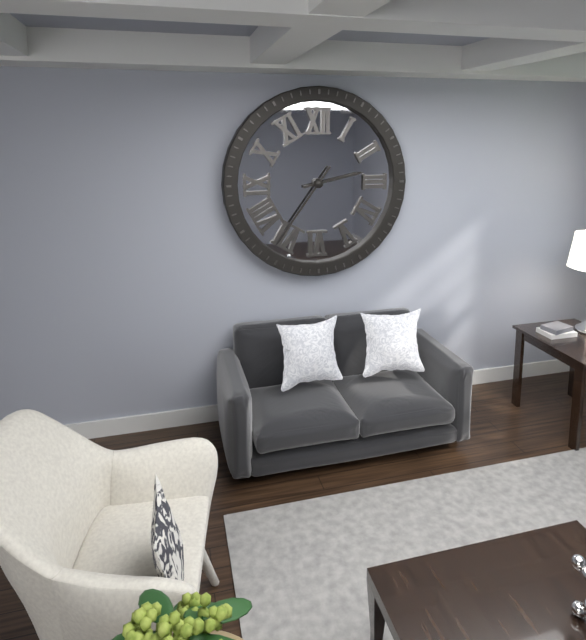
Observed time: 2h36
